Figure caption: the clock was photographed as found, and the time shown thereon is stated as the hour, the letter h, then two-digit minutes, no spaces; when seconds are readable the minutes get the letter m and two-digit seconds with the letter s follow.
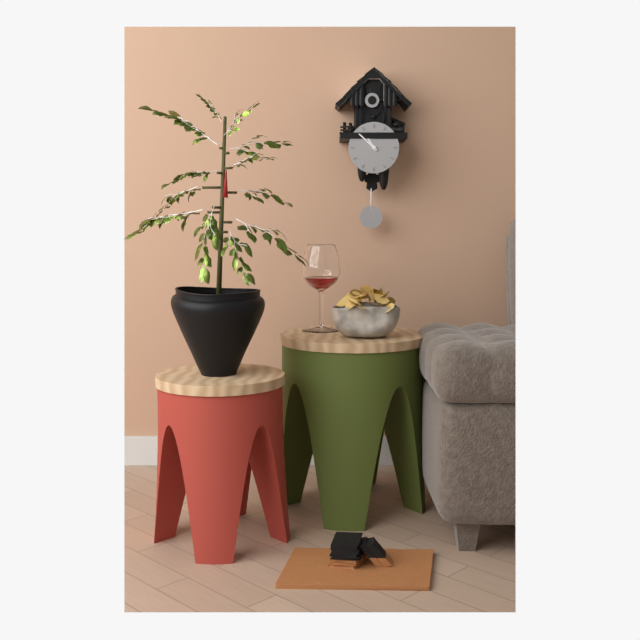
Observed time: 10h52
